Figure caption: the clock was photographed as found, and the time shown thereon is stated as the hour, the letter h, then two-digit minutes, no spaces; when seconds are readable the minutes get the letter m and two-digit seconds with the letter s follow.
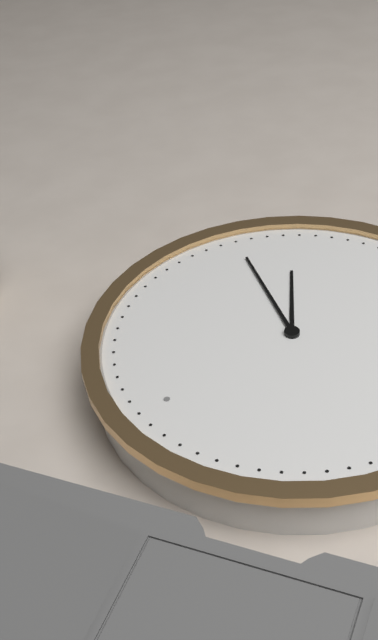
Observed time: 4h18
